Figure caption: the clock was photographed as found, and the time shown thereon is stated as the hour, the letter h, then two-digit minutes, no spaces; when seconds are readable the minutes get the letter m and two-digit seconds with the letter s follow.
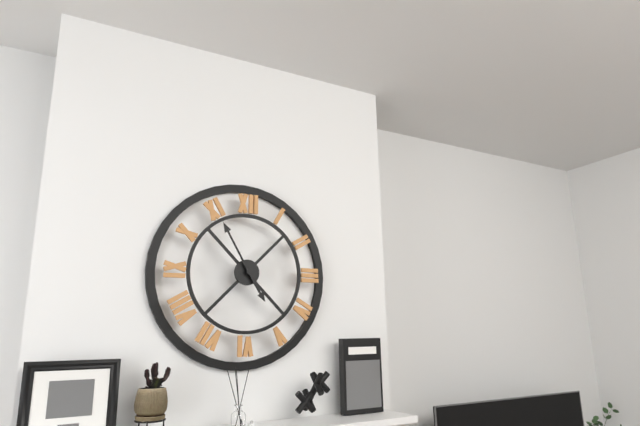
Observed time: 4h55
